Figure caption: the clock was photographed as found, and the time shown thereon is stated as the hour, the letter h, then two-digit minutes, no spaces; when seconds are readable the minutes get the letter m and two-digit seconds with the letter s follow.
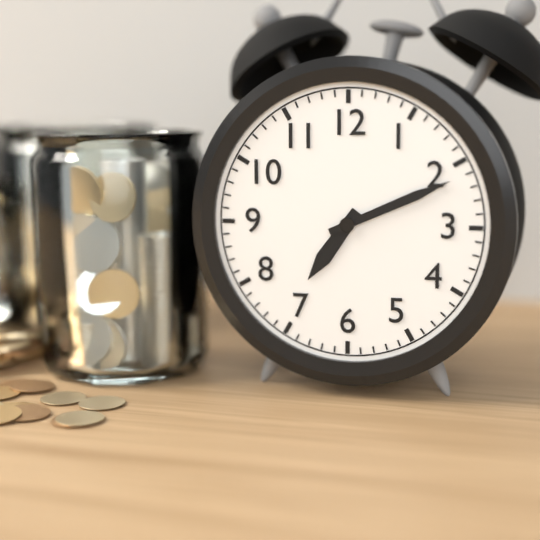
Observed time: 7h11
